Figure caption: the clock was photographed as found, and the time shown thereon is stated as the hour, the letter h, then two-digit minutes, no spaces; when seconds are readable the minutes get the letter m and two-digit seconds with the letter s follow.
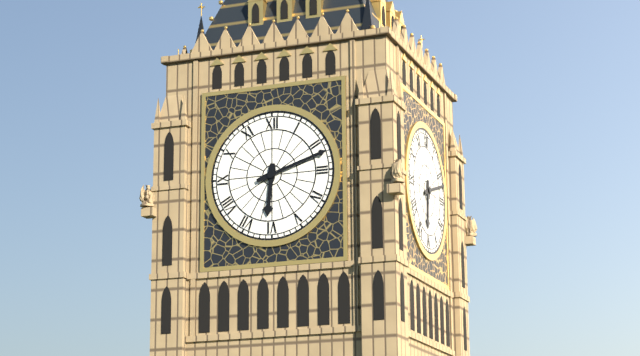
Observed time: 6h12
